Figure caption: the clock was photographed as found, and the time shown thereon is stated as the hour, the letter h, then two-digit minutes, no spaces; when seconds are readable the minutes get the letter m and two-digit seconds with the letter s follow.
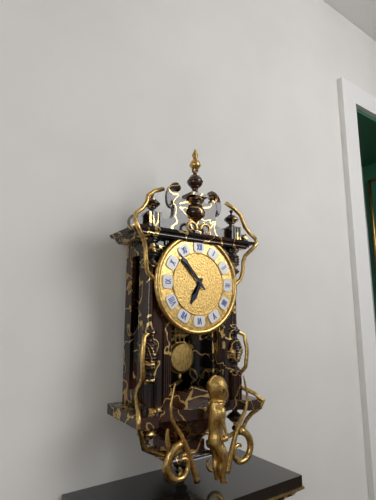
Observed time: 6h53
